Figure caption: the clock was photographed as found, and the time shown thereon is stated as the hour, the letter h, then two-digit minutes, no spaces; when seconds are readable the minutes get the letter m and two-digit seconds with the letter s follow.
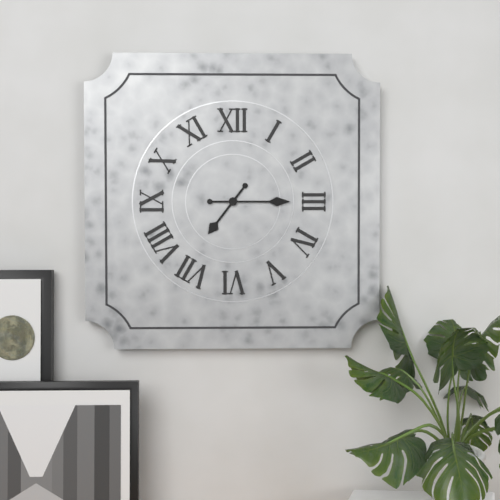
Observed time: 7h15
